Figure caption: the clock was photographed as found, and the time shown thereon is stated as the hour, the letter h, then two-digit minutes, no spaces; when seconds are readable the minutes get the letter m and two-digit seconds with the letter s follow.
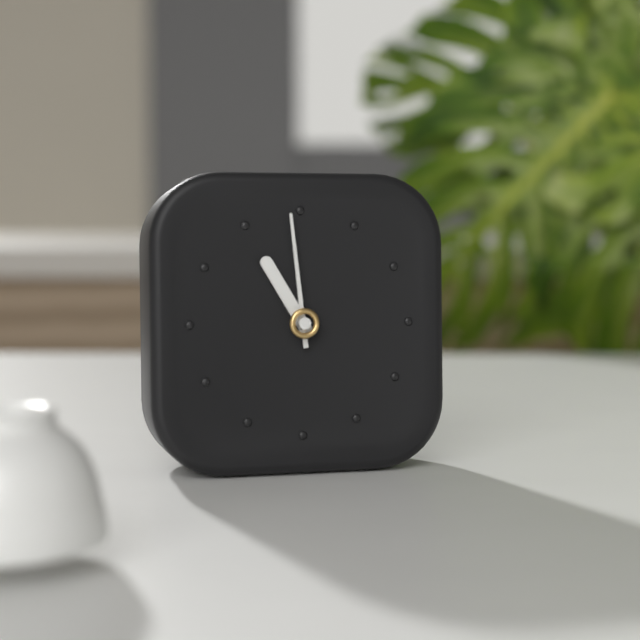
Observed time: 10h59
